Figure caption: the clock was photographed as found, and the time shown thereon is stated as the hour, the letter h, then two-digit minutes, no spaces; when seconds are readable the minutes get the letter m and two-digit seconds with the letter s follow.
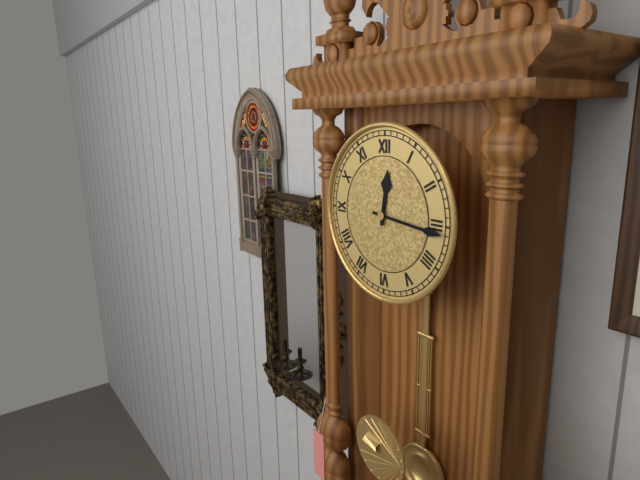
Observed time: 12h16
